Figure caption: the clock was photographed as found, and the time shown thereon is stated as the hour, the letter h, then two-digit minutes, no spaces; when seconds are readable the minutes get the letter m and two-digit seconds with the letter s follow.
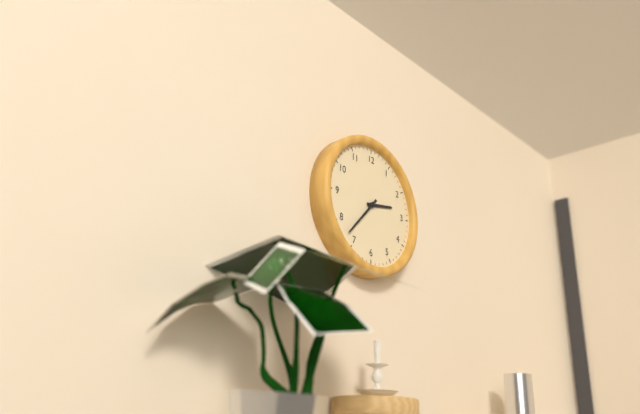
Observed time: 2h37
